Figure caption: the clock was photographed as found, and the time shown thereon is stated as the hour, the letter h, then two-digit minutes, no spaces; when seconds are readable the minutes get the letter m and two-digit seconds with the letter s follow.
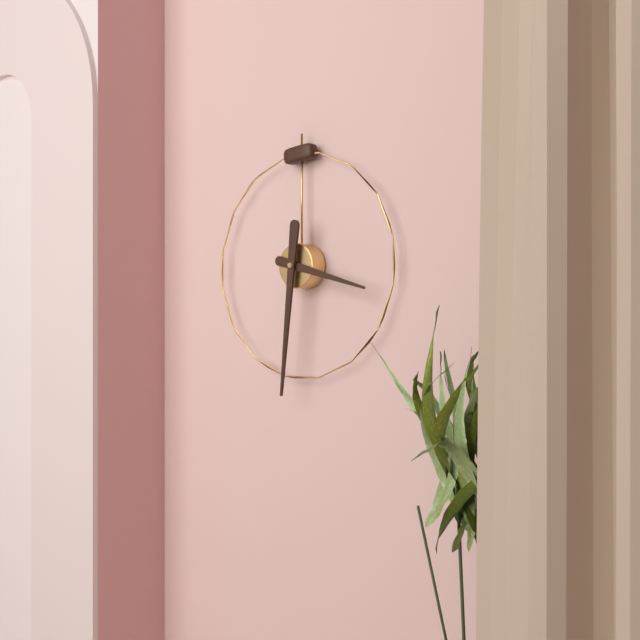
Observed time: 3h31
